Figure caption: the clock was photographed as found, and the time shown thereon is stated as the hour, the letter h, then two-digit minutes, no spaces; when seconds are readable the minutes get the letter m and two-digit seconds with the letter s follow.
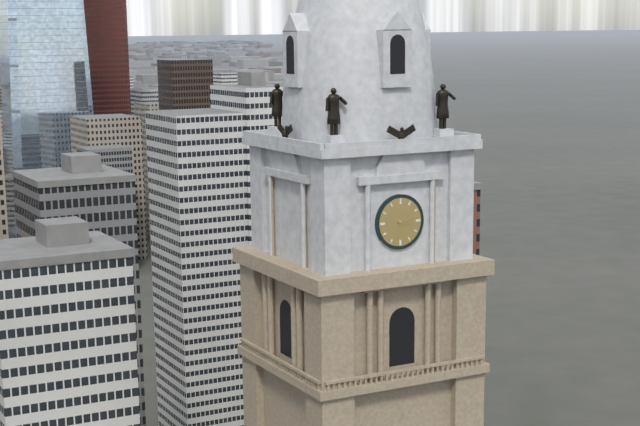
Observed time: 3h13
